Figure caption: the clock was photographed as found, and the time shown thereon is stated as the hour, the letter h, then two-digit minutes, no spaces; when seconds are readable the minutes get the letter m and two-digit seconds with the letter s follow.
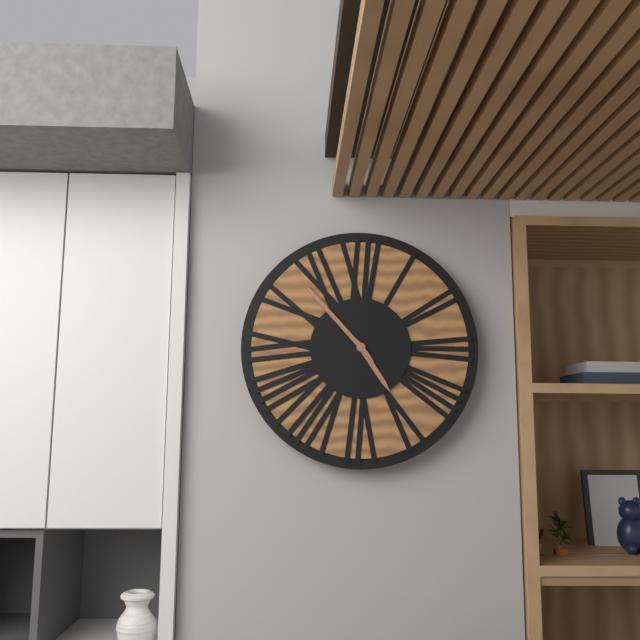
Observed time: 4h53
